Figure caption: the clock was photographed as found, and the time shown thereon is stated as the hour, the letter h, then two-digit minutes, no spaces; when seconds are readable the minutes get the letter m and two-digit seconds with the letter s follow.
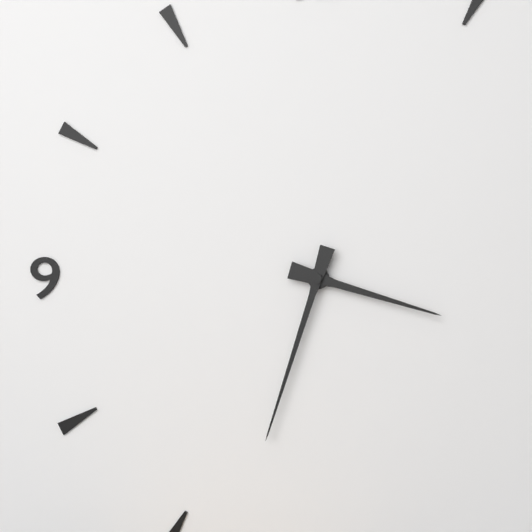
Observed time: 3h33
